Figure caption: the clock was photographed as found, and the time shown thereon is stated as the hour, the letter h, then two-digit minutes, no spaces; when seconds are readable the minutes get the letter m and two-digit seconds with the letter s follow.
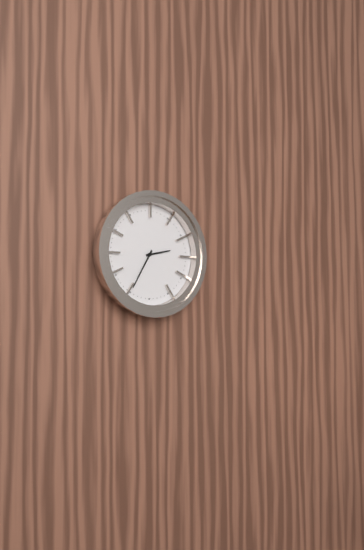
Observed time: 2h35
